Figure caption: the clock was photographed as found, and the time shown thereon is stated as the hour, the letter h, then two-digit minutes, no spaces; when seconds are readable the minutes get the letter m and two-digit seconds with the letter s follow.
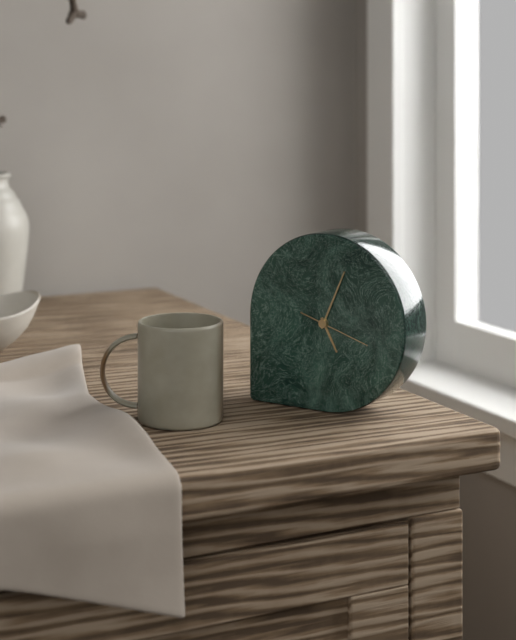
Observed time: 5h04m18s
